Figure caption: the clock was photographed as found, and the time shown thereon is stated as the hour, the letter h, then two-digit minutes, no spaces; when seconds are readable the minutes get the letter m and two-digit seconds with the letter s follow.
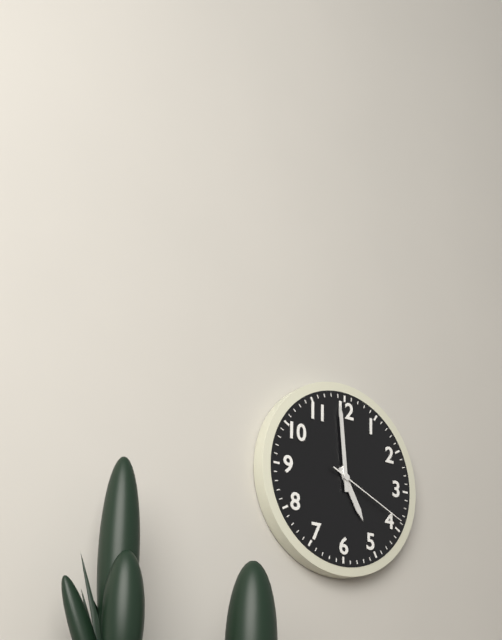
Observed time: 4h59m19s
